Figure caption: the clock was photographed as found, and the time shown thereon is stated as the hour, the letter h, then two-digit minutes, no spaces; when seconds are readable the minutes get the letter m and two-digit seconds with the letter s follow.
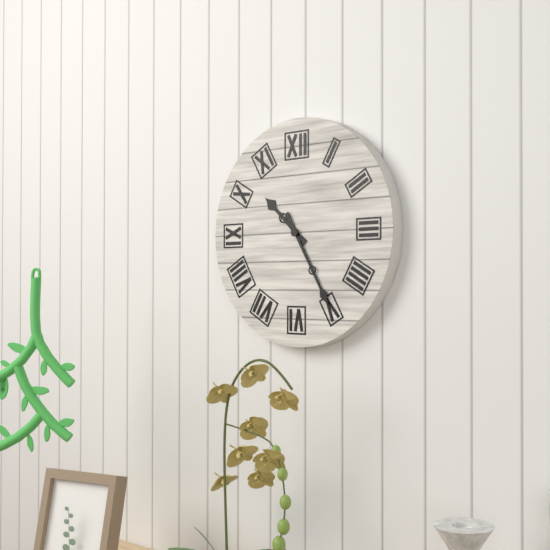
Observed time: 10h25
